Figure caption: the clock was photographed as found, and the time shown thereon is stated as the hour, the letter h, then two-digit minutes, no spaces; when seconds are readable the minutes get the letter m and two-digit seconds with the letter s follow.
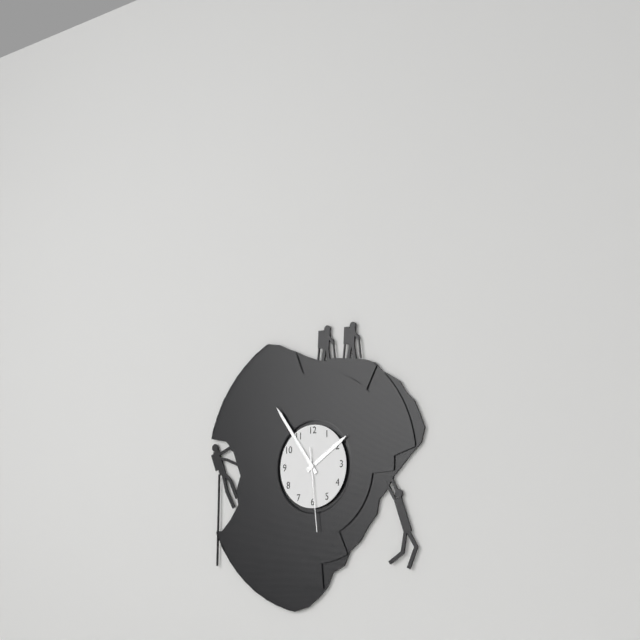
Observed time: 1h54m29s
